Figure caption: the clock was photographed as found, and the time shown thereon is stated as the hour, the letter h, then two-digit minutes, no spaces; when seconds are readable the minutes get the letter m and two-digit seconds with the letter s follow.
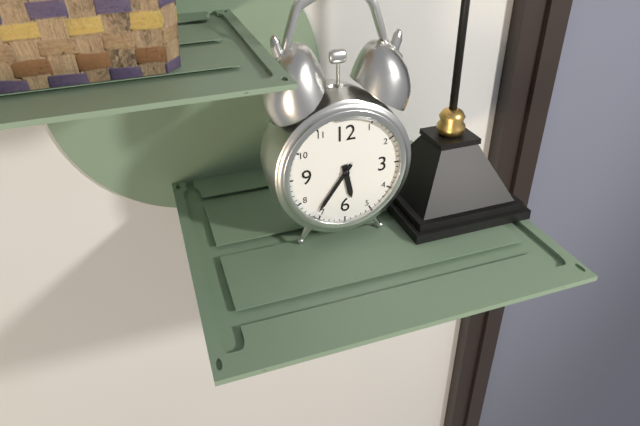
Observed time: 5h36
